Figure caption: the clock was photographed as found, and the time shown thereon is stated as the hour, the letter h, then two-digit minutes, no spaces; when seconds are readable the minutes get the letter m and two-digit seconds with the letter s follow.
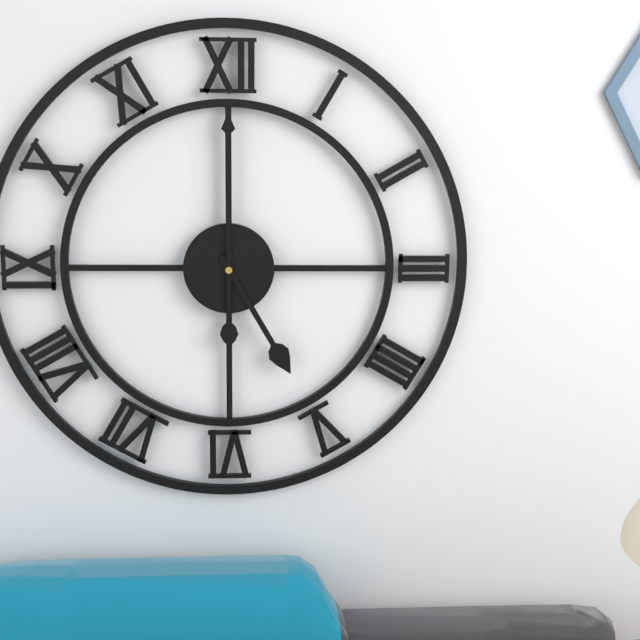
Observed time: 5h00
